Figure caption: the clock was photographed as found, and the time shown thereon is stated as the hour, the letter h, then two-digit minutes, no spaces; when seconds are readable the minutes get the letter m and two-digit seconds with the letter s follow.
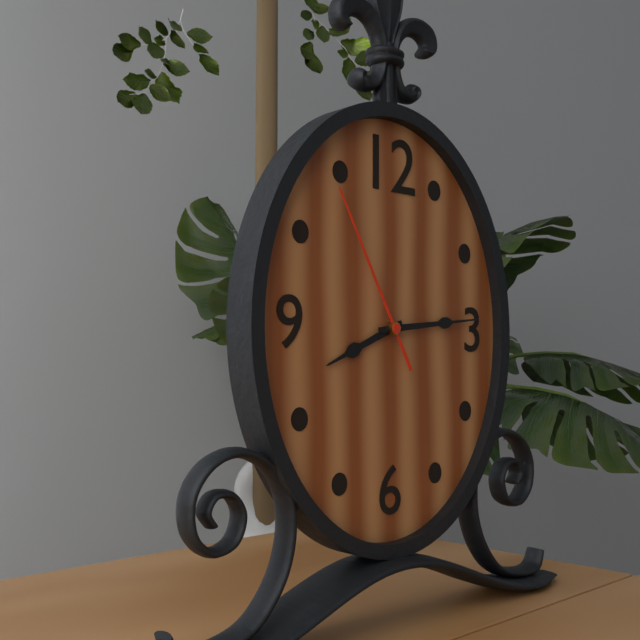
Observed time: 8h14m55s
